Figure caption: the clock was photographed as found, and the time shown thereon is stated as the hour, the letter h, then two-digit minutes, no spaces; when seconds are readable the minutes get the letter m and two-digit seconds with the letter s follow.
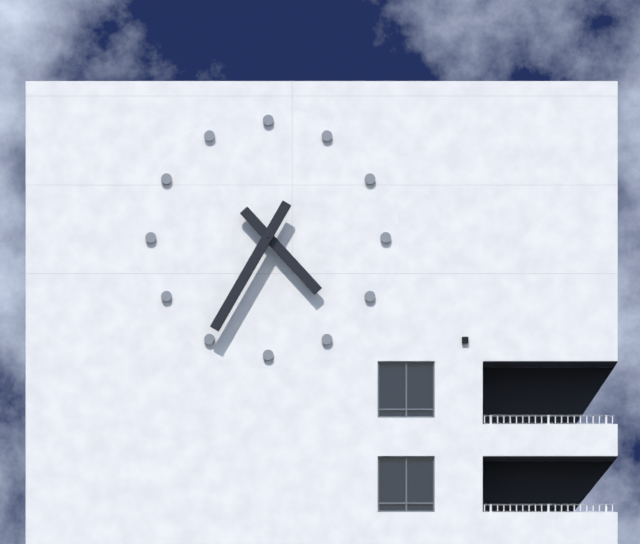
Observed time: 4h35
